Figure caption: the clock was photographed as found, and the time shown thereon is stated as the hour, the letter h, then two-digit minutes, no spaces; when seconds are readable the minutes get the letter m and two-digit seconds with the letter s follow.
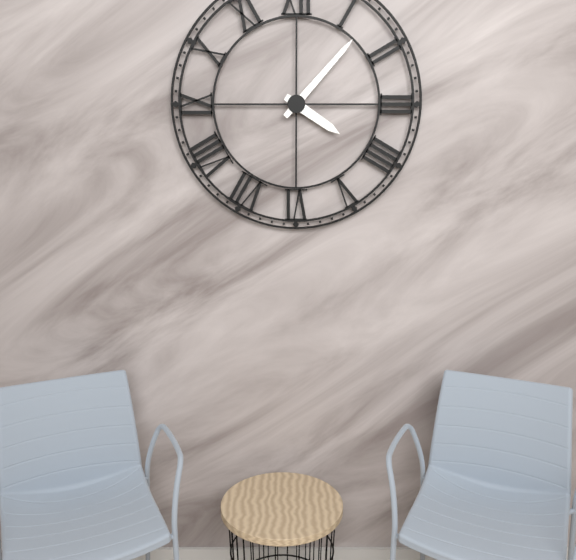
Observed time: 4h07
